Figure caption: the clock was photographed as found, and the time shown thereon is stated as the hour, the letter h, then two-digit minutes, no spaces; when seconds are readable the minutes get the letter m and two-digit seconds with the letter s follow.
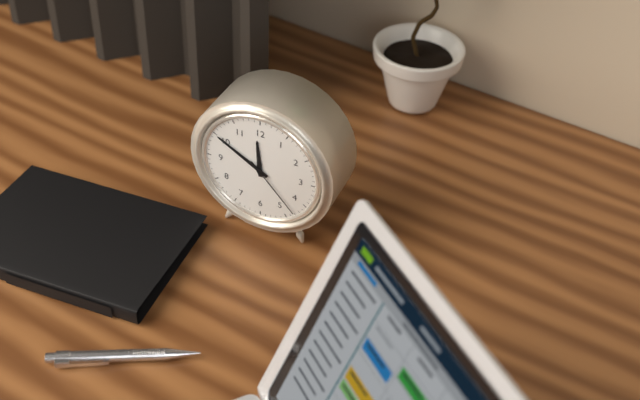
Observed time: 11h50m23s
